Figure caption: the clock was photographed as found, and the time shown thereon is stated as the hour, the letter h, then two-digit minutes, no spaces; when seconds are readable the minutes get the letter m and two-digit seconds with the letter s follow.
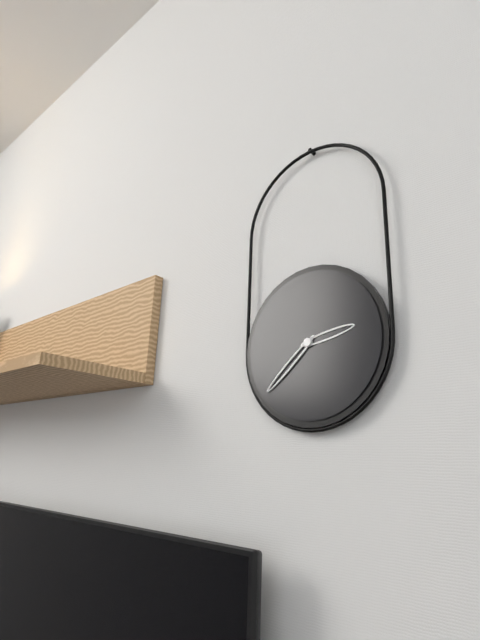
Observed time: 2h38
